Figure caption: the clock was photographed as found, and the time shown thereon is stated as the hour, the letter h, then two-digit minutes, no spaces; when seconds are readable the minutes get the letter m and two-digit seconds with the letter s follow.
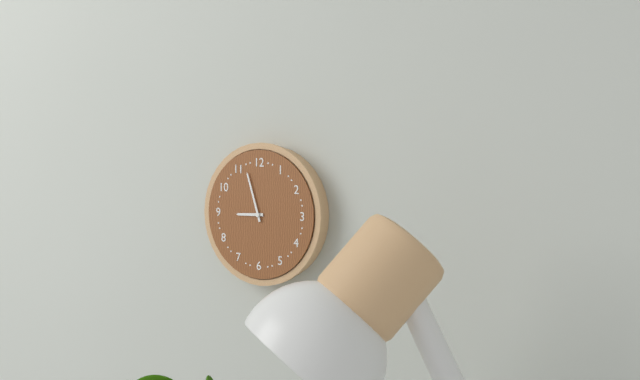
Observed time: 8h57
